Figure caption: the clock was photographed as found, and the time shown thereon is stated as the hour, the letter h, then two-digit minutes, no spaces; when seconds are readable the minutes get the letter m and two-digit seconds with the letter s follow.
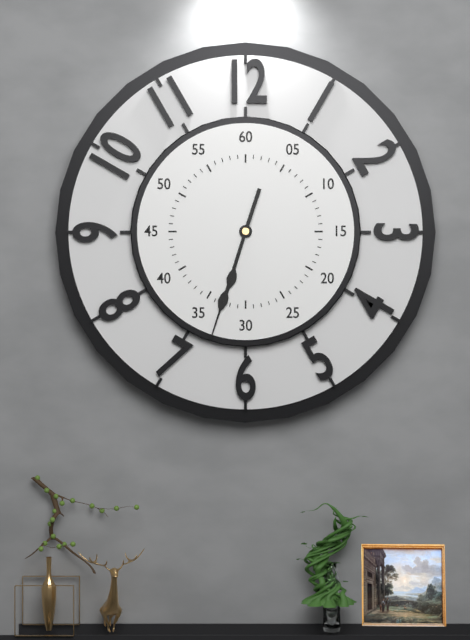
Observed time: 6h33m33s
